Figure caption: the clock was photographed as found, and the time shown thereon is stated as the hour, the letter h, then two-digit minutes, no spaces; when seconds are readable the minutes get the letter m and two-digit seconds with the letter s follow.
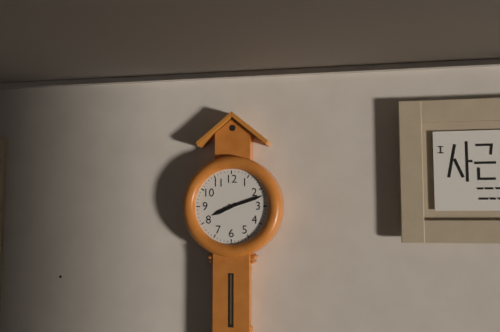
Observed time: 8h12
